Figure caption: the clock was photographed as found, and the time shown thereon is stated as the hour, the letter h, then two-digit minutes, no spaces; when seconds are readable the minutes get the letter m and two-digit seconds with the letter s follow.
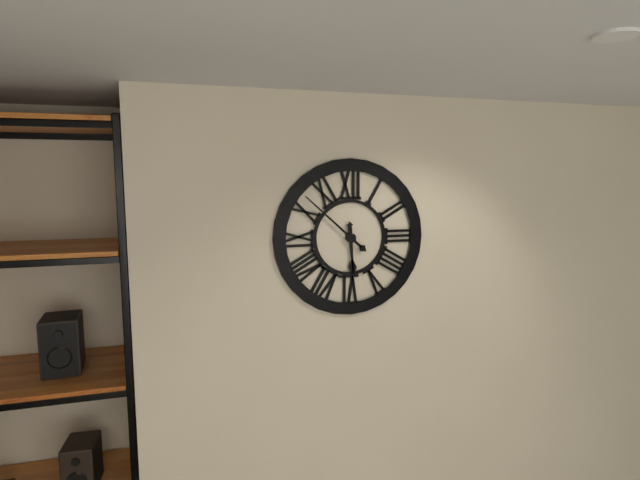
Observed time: 5h52
